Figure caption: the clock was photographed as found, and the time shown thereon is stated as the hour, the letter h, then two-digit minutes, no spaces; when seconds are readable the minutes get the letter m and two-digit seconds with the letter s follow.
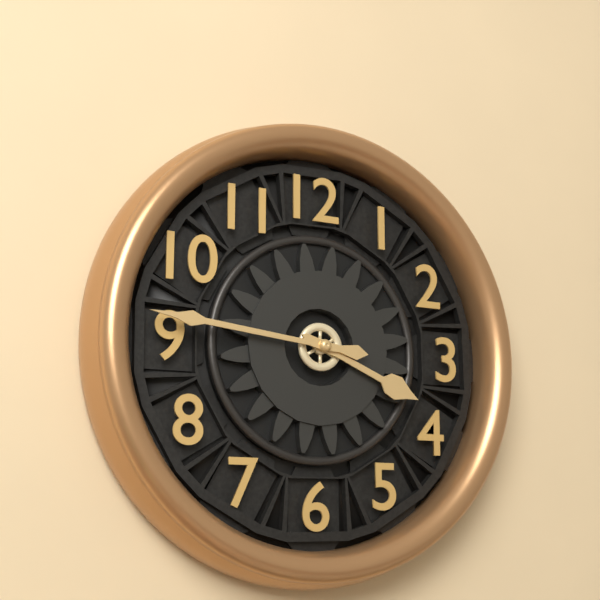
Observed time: 3h46
